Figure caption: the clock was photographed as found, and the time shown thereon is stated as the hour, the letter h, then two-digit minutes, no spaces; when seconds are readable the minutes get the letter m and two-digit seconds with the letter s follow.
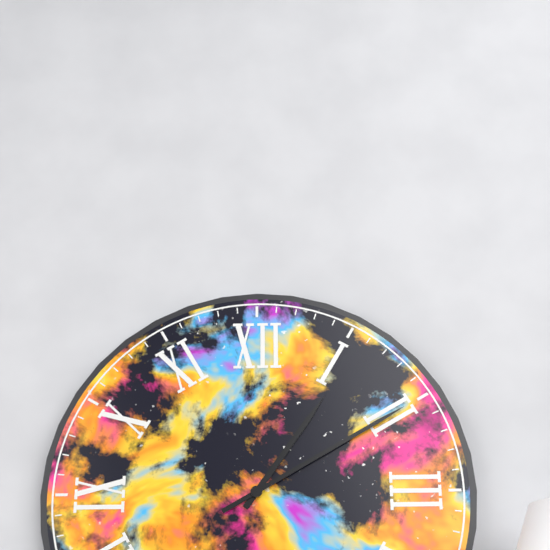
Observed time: 1h10
